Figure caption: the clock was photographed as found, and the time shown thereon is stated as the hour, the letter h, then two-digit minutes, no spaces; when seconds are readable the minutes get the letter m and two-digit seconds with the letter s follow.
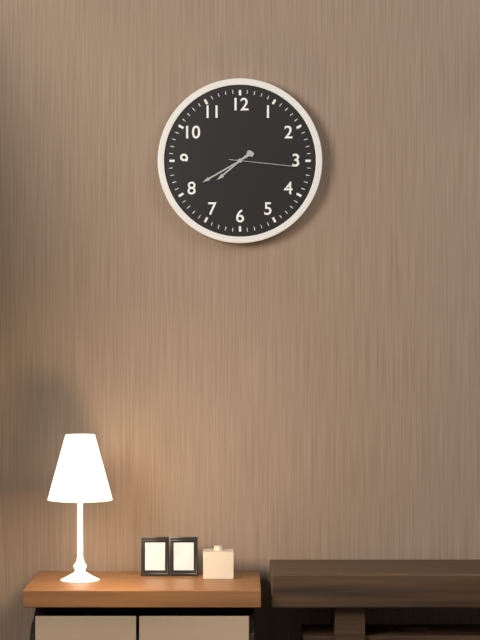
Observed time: 7h40m16s
